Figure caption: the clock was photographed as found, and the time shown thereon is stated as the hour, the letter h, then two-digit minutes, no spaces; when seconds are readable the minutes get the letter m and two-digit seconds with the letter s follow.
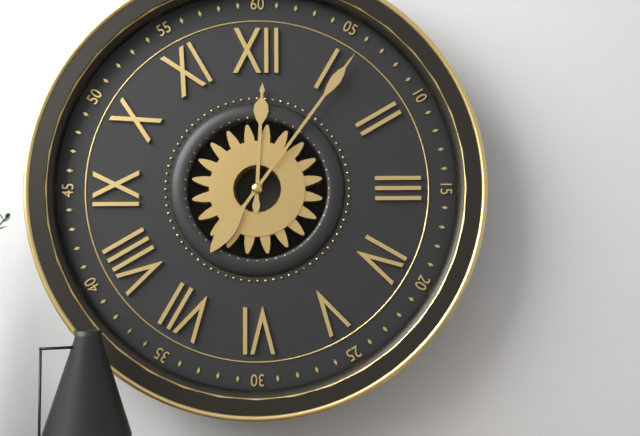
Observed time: 12h06
